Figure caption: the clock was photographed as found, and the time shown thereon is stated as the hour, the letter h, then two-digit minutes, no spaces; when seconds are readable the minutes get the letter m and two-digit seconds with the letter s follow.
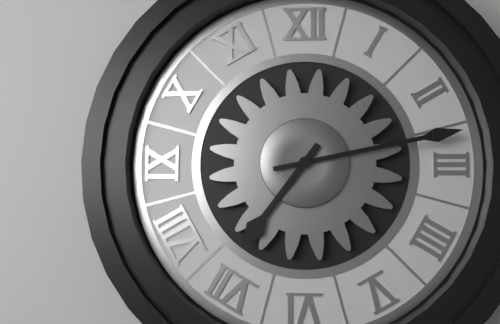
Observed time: 7h13
